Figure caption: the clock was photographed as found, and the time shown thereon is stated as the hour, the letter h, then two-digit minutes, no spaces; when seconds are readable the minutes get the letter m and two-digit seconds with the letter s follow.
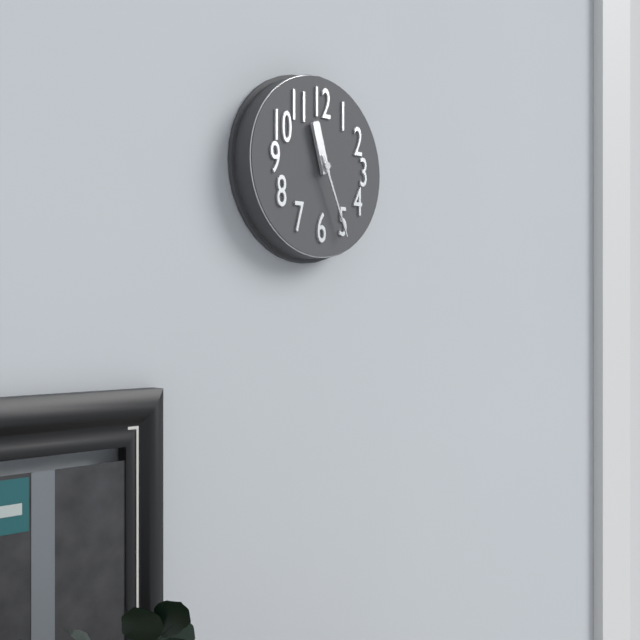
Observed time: 11h26
